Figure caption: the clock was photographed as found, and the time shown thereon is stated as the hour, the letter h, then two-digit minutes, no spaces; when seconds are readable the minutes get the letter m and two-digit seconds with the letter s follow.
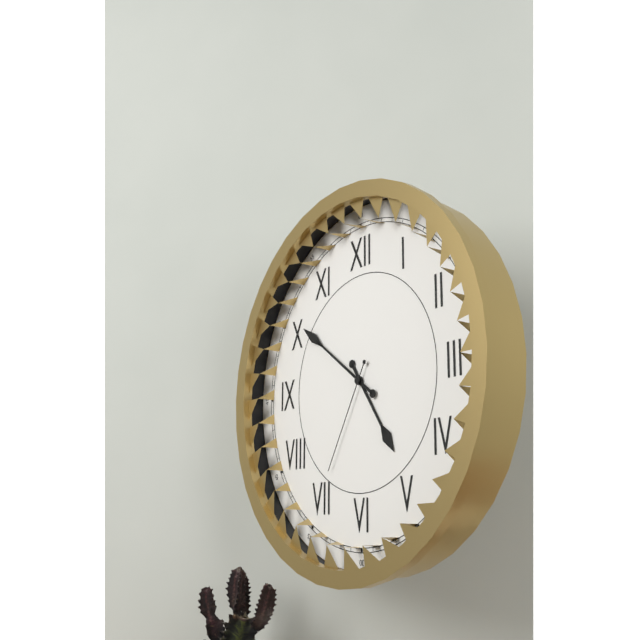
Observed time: 4h51m35s
